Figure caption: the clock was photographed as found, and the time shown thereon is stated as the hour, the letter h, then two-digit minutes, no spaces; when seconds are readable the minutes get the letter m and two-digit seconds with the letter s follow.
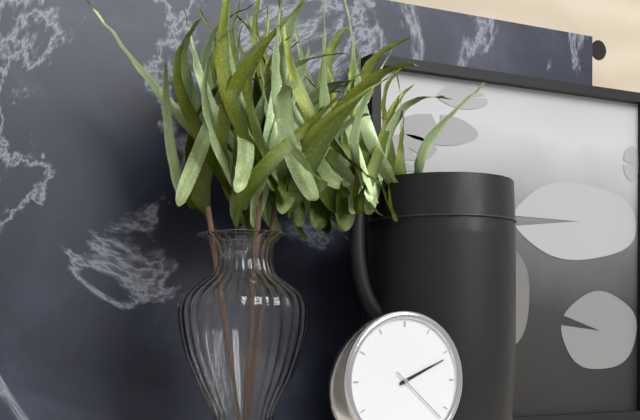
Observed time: 2h11m22s
